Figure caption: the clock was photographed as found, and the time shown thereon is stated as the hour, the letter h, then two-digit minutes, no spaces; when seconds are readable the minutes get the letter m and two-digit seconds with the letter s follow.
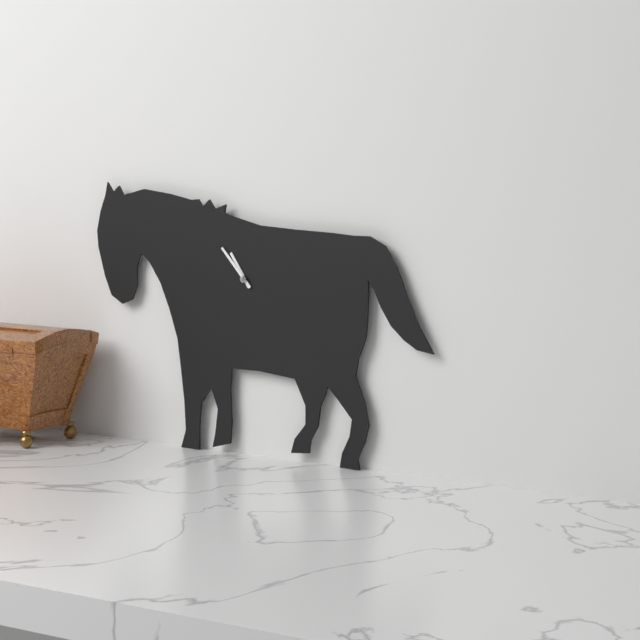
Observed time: 10h53
